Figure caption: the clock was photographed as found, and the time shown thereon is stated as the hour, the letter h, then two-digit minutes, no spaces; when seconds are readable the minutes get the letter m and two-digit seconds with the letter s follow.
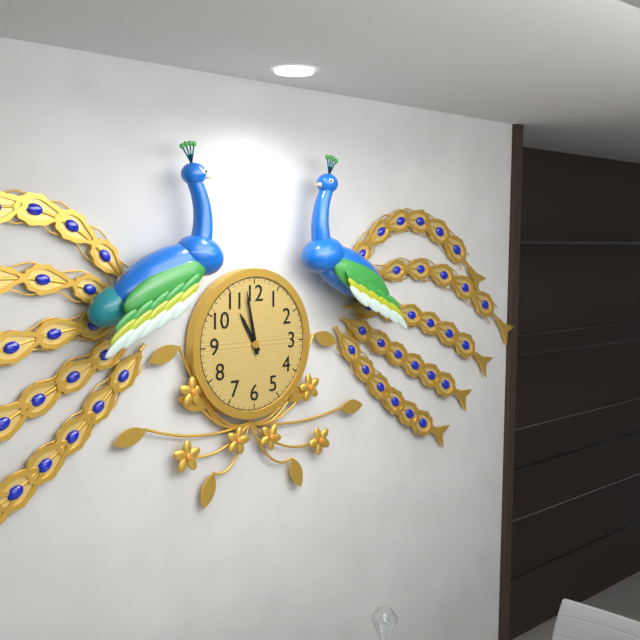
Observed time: 10h58
